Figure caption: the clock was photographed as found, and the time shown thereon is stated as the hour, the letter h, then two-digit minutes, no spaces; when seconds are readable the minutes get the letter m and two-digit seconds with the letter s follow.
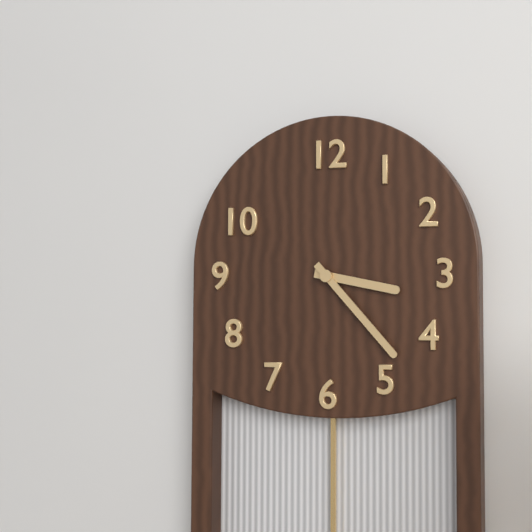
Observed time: 3h23
